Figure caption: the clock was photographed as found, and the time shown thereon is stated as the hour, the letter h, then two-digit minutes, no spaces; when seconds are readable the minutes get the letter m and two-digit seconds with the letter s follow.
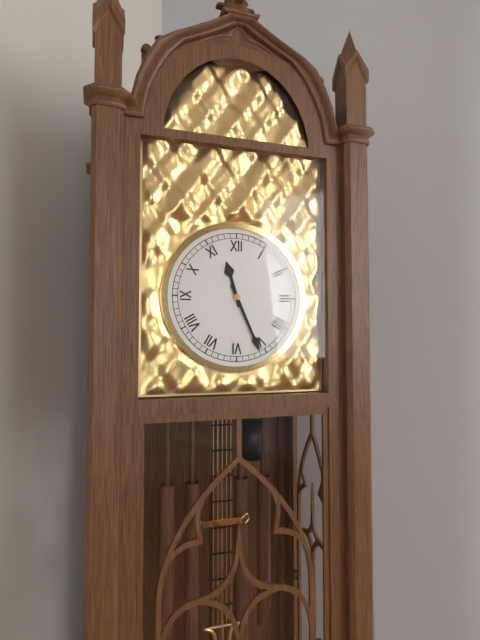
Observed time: 11h26
